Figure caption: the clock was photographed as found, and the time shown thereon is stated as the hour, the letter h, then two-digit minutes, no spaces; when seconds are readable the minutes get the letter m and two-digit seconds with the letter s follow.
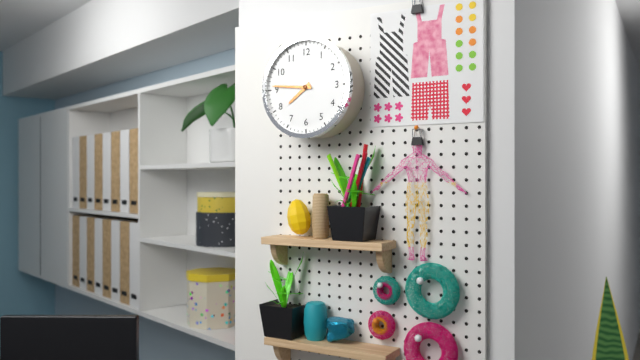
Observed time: 7h46
